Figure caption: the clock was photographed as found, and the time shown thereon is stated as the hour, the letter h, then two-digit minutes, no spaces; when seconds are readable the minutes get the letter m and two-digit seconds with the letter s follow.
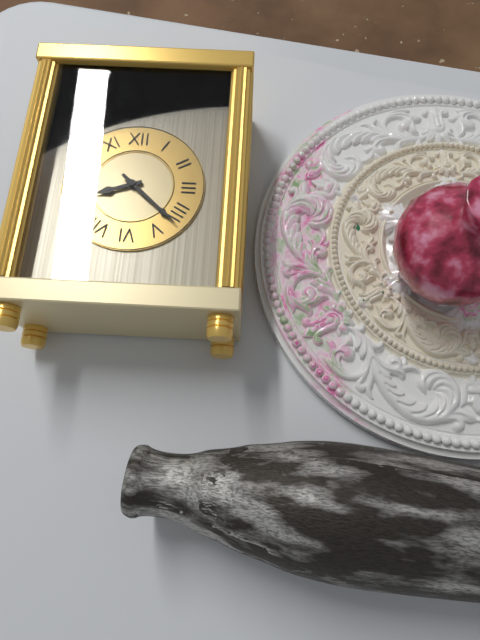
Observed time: 8h22
